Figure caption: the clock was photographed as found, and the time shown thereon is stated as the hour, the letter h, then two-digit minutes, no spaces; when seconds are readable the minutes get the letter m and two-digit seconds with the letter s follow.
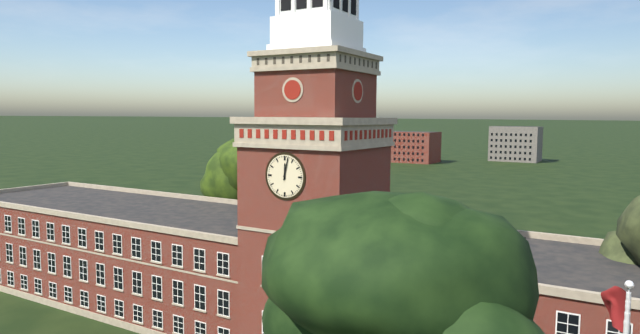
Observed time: 12h02
